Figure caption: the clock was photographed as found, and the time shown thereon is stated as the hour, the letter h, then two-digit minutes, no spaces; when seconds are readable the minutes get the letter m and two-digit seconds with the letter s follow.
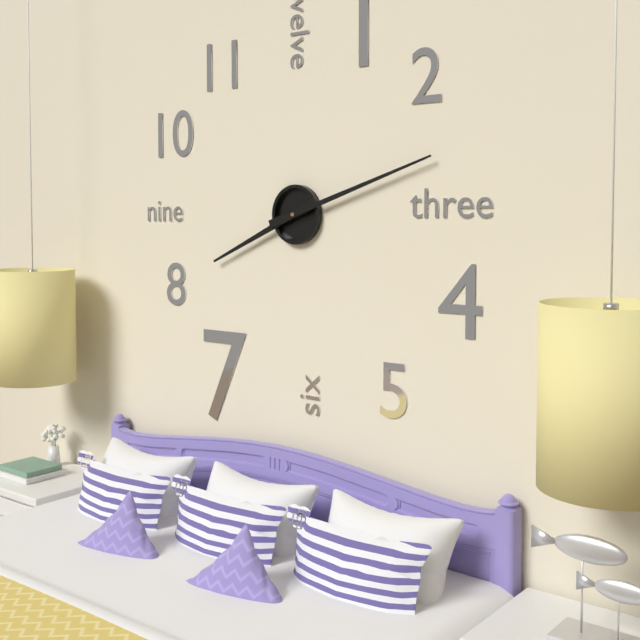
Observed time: 8h12
